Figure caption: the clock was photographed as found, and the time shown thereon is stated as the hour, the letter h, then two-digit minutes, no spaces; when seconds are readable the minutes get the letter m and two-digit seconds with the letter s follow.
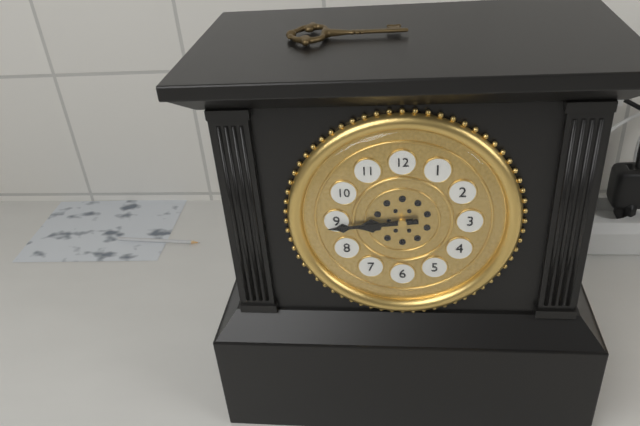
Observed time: 8h44
